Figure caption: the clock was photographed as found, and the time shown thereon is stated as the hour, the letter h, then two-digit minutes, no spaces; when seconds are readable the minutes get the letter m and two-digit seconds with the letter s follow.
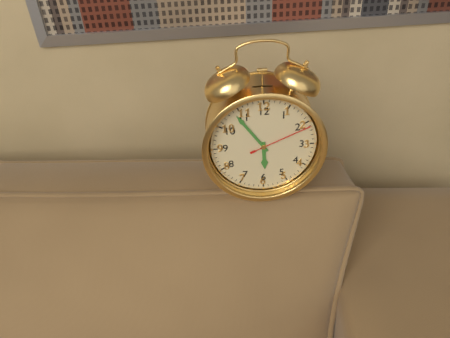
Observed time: 5h54m11s
